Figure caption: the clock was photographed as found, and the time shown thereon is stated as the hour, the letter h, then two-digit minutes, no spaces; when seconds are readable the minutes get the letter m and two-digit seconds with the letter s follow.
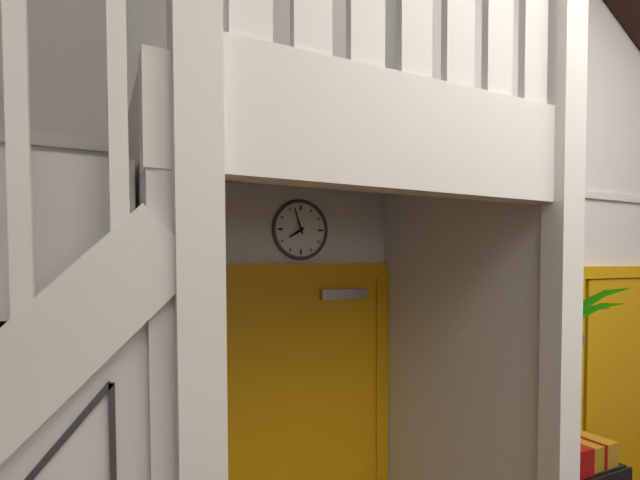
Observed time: 7h57
